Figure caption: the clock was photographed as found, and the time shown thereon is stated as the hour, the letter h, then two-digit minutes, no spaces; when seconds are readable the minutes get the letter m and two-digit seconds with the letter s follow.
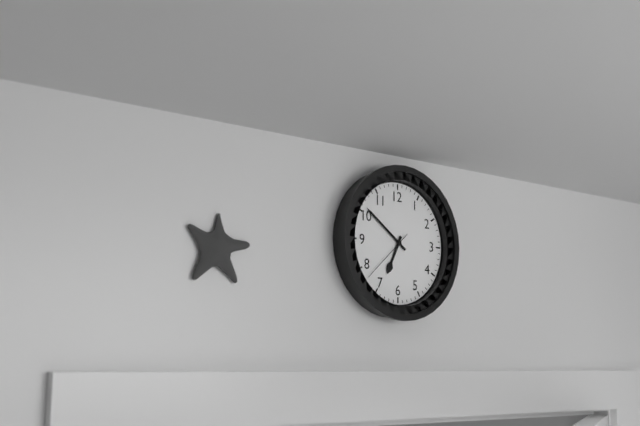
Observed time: 6h51m38s
